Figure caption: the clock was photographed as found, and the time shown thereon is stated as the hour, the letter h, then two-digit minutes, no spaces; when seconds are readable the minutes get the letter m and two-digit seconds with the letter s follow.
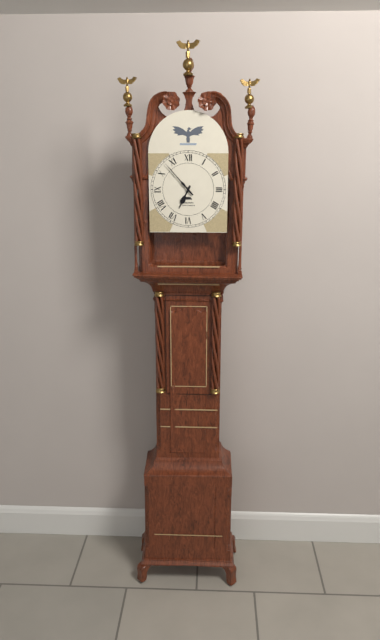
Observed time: 6h53
